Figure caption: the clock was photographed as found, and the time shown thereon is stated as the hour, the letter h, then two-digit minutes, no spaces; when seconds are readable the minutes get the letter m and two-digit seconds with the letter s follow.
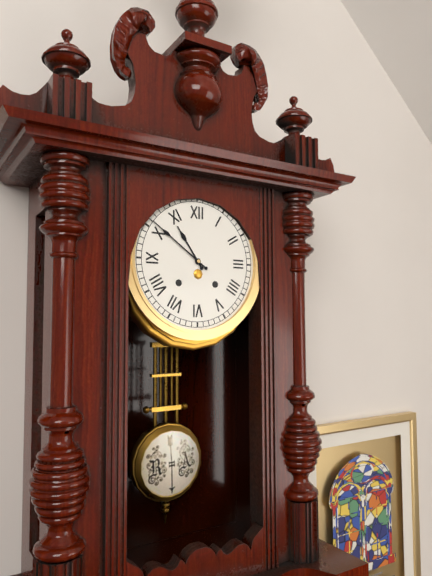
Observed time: 10h51
